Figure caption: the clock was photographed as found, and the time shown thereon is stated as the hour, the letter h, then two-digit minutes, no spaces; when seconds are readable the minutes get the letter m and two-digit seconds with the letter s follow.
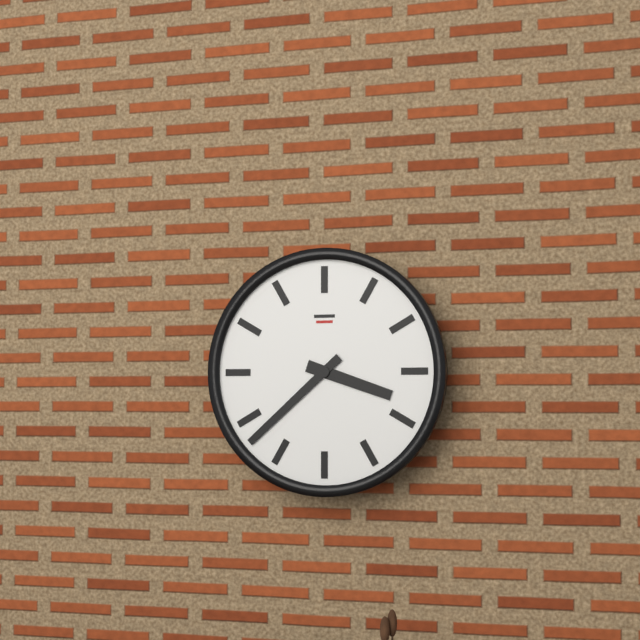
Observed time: 3h38
